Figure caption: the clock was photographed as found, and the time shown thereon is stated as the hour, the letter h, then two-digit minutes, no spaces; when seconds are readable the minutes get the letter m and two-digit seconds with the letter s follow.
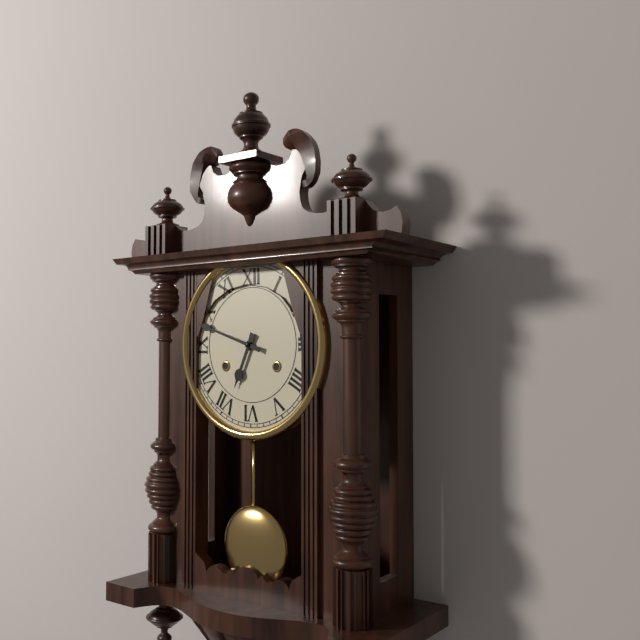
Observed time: 6h48
